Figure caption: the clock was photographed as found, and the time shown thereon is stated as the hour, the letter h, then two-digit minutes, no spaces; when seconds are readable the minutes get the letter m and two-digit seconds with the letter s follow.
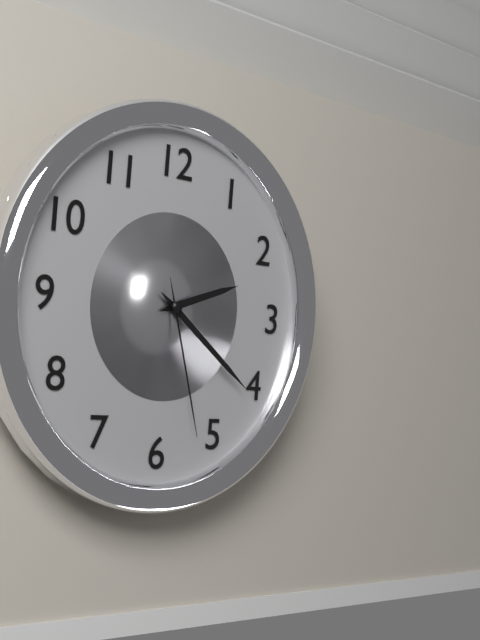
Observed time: 2h21m27s
